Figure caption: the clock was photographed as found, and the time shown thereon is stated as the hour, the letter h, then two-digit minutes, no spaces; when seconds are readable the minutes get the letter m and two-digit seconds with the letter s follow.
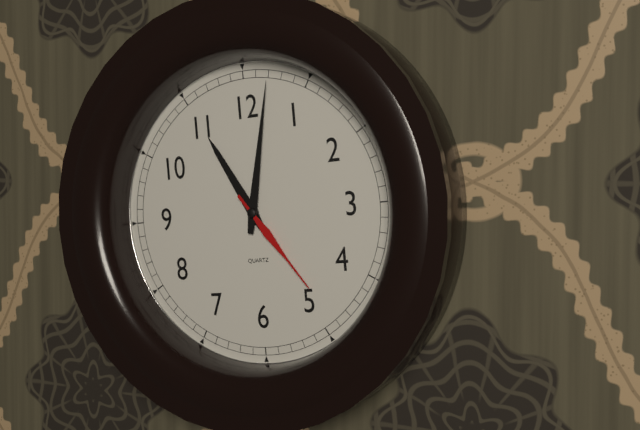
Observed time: 11h02m24s
